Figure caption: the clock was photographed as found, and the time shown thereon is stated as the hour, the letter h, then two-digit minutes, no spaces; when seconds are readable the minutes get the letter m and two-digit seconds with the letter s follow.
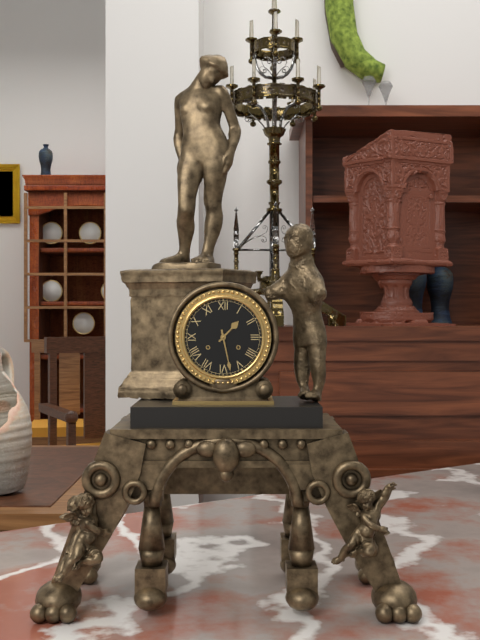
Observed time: 1h28
